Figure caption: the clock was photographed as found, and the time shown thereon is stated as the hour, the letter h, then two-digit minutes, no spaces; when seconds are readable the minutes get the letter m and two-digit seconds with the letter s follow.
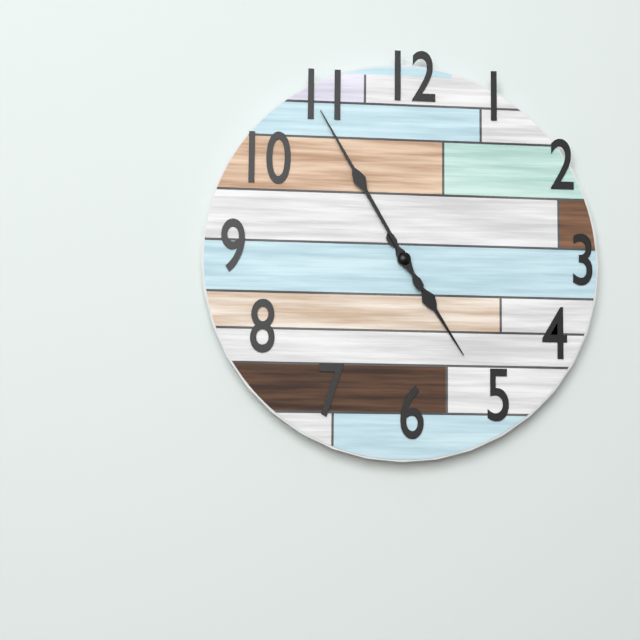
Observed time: 4h55
